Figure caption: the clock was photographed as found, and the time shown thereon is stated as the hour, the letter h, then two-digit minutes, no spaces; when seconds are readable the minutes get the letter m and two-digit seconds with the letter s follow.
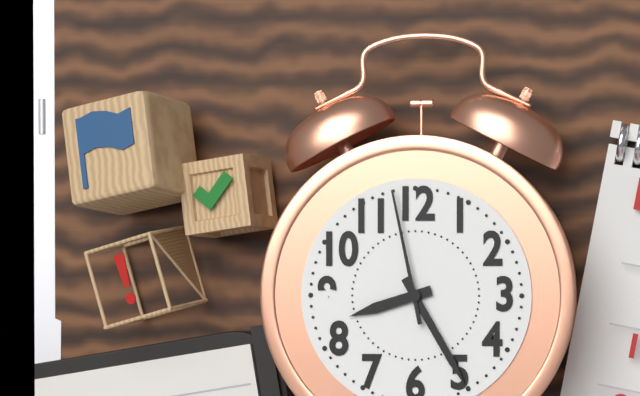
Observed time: 8h25m58s
